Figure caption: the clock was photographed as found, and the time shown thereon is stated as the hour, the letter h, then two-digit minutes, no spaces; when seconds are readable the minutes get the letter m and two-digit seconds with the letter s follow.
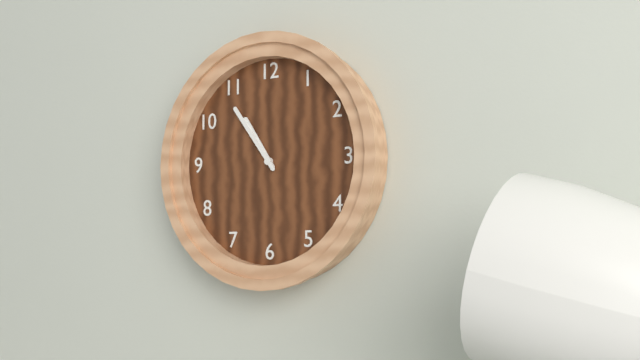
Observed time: 10h54
